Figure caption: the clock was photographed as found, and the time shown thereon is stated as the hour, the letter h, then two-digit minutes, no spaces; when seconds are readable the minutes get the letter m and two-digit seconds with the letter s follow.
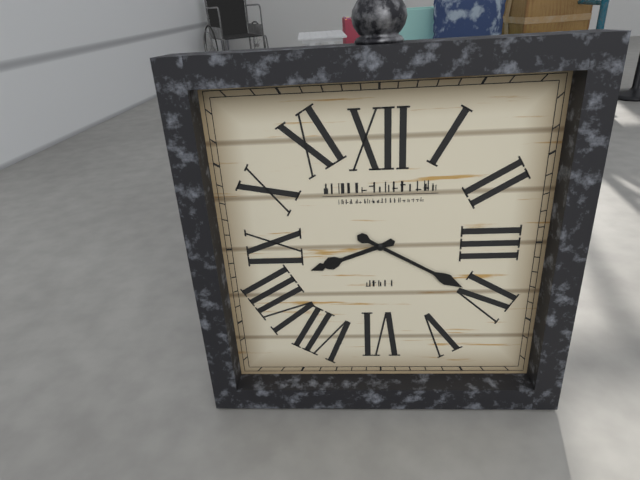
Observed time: 8h20
